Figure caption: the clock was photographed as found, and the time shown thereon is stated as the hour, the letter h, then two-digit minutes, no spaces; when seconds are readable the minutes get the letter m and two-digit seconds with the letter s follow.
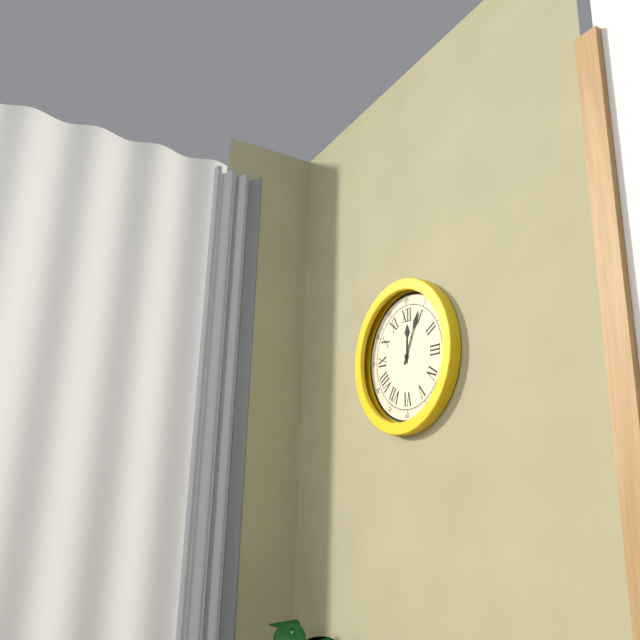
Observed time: 12h04
